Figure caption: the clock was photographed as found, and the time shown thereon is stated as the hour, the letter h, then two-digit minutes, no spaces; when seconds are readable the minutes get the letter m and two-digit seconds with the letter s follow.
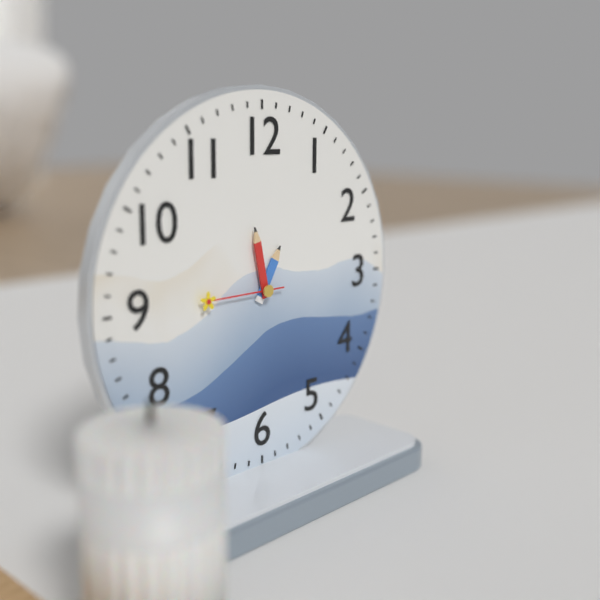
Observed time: 12h58m45s
